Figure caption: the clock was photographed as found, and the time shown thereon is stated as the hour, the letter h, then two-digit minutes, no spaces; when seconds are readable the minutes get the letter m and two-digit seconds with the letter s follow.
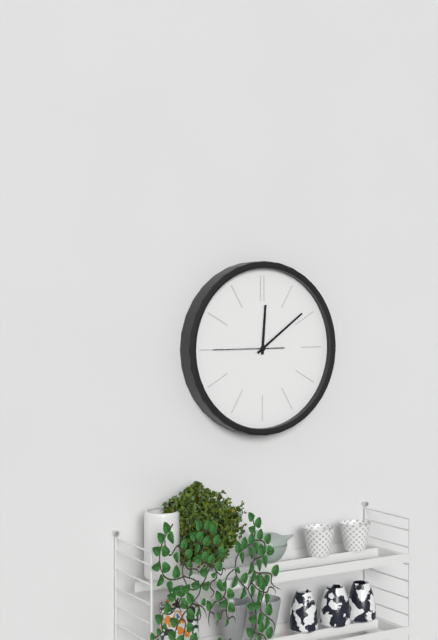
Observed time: 12h09m45s
